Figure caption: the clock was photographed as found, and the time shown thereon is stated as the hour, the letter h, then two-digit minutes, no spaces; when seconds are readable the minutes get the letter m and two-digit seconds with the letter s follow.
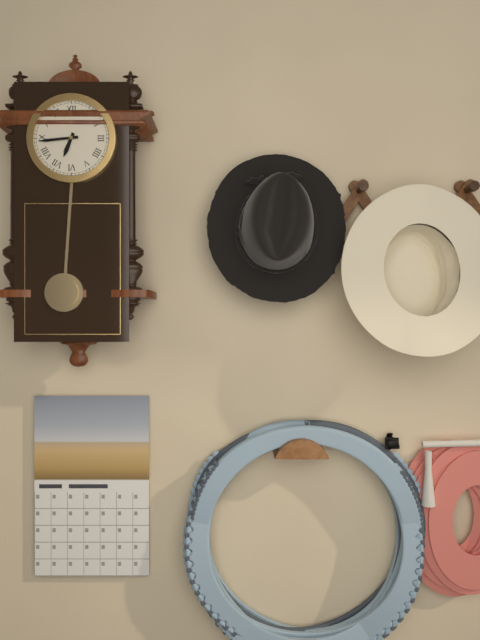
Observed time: 6h44
